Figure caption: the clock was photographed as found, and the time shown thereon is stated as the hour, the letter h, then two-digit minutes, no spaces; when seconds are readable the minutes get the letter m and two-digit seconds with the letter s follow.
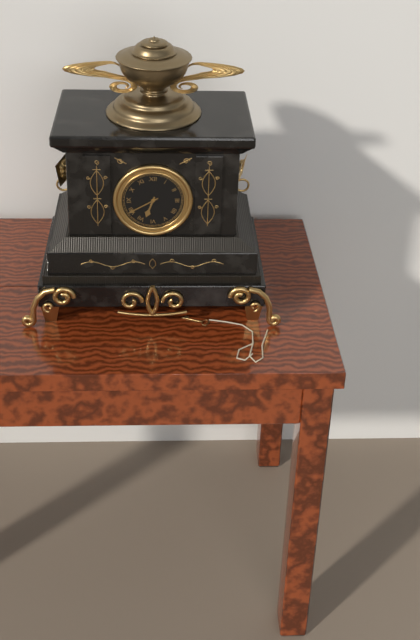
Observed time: 6h40
